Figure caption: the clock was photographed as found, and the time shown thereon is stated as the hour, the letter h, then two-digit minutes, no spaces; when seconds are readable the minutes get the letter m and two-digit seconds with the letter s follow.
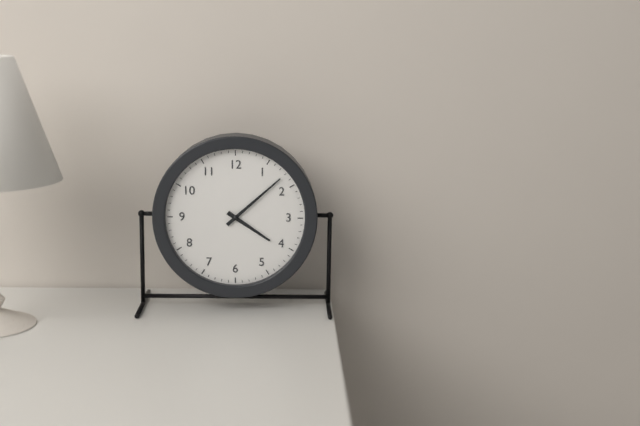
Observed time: 4h08
